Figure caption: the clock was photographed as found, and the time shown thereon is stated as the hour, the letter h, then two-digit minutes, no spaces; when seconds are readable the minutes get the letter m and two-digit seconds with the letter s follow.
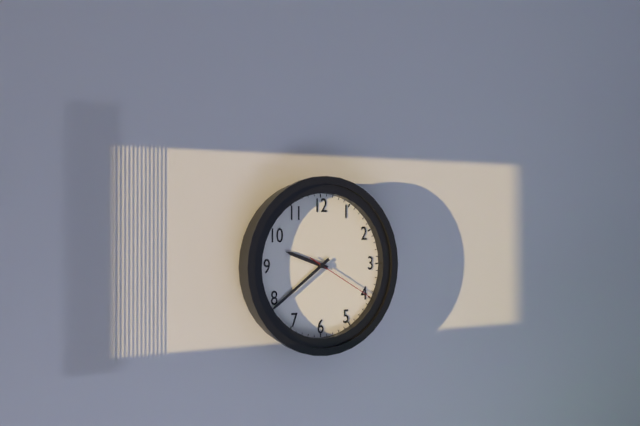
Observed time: 9h39m20s
